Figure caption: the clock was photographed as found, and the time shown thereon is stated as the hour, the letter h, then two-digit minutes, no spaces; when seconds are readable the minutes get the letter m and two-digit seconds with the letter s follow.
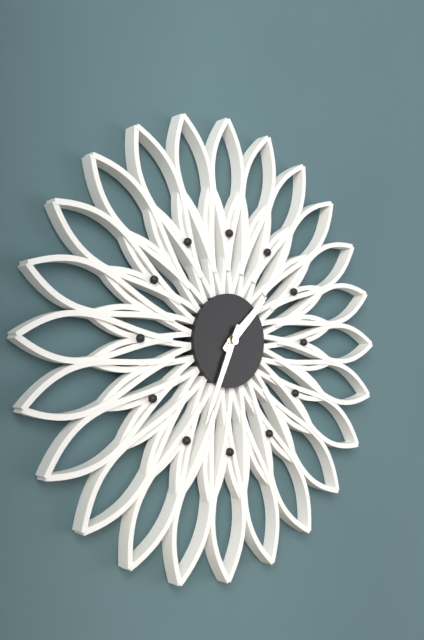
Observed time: 1h34
